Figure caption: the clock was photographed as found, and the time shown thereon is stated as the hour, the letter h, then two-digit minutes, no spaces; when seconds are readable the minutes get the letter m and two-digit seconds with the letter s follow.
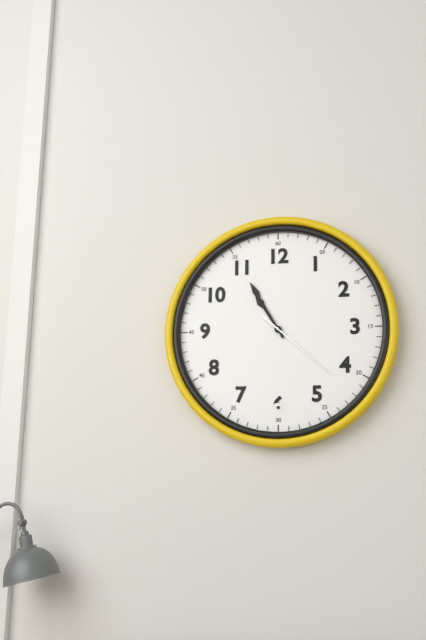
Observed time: 10h55m22s
